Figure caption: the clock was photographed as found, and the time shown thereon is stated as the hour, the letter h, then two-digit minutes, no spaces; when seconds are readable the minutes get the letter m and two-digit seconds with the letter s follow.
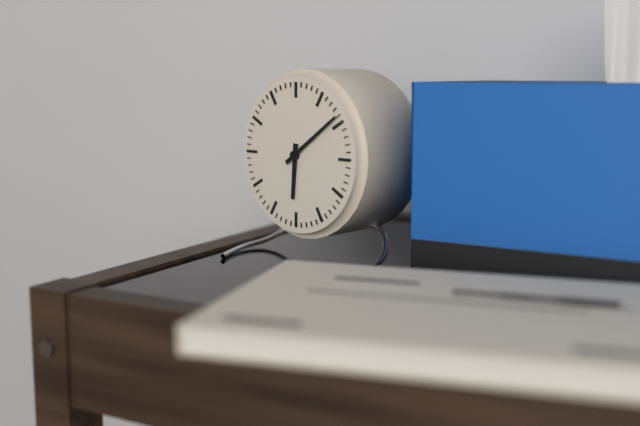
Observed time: 6h09
